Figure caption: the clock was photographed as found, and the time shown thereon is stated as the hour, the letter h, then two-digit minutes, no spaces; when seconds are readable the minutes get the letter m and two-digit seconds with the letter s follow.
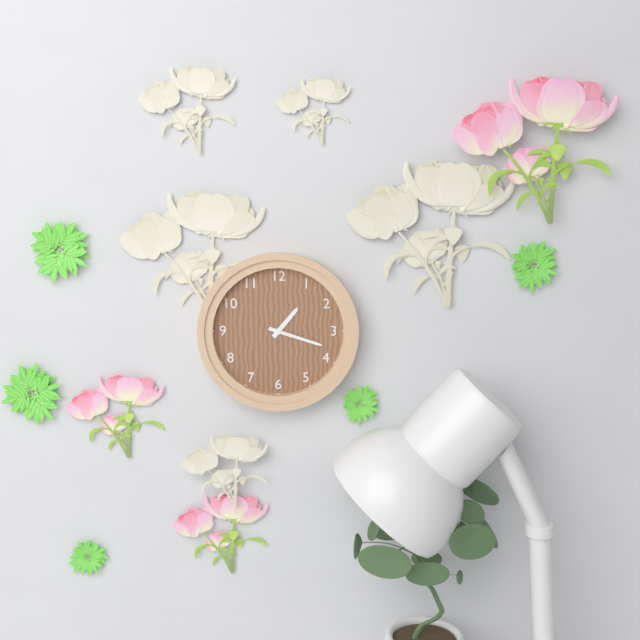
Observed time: 1h18
